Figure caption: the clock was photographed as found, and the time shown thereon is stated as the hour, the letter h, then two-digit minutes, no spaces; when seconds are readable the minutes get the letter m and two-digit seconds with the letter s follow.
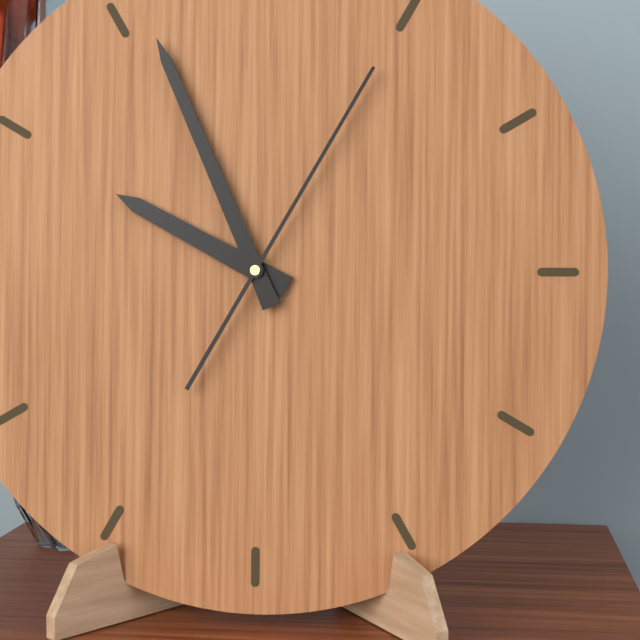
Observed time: 9h56m05s
